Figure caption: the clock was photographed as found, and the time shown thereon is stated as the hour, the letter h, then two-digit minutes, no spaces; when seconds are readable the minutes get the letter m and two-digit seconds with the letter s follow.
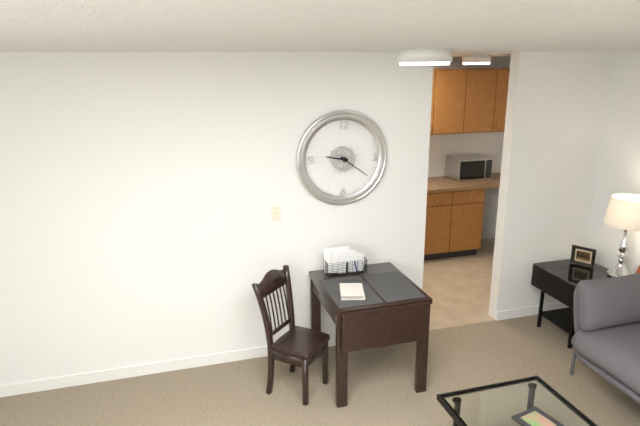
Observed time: 9h21
